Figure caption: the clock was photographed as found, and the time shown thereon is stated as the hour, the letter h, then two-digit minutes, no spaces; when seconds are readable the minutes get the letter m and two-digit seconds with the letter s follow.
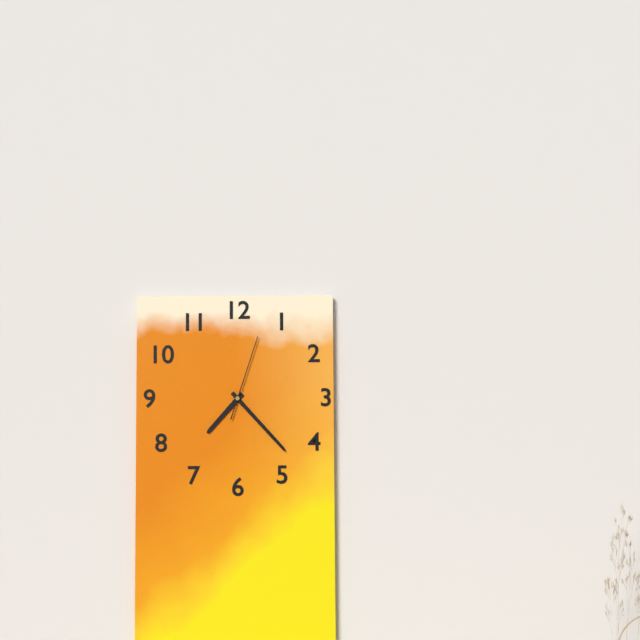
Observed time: 7h23m03s
